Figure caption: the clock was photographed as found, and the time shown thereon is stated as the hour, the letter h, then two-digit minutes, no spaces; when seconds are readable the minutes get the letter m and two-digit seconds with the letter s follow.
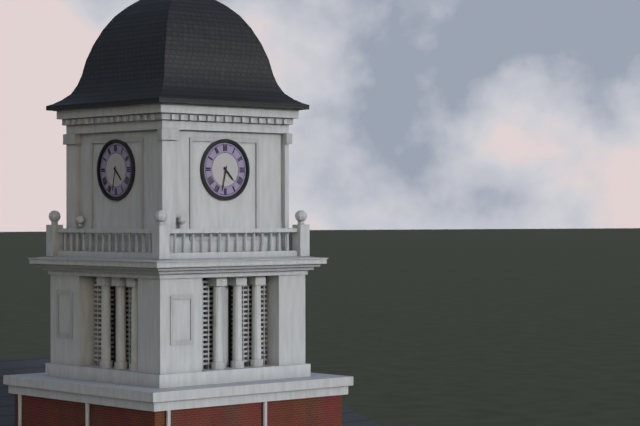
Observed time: 4h32
